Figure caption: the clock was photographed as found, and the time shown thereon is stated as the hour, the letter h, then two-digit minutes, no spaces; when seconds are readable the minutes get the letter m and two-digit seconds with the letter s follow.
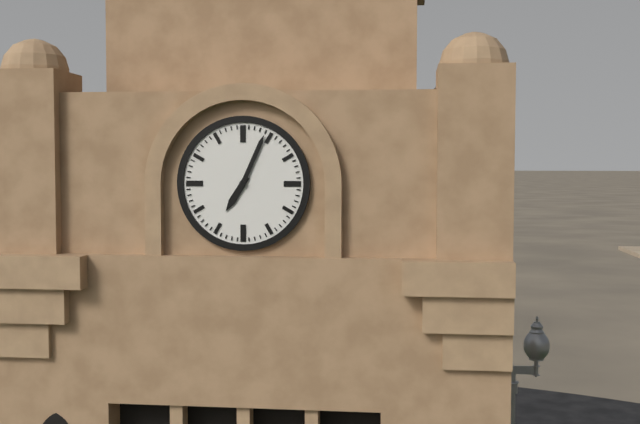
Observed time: 7h04
